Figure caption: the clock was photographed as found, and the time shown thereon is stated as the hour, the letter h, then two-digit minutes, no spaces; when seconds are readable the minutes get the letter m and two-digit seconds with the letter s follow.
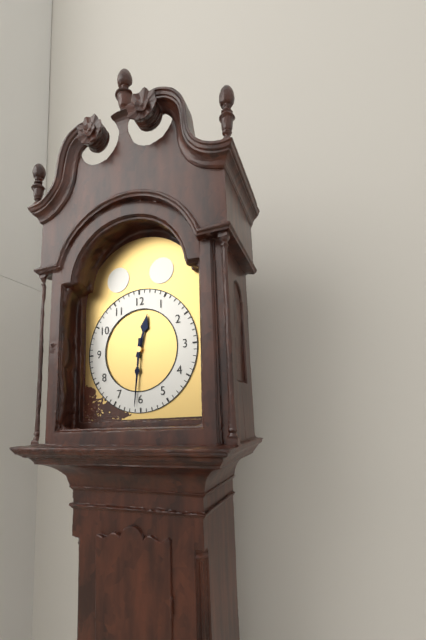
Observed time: 12h31
